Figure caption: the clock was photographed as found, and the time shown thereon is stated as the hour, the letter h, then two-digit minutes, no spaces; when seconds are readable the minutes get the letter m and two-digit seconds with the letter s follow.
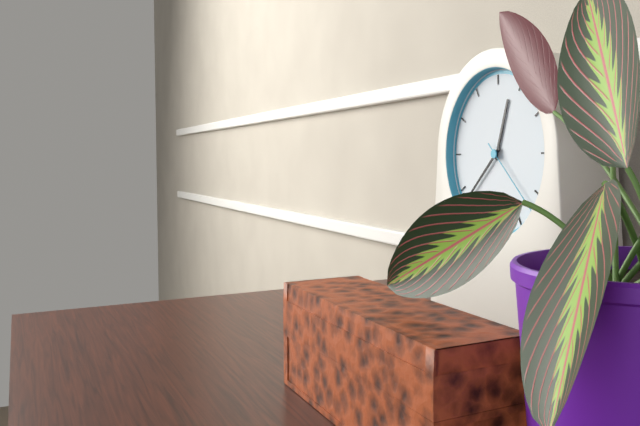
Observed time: 12h38m22s
